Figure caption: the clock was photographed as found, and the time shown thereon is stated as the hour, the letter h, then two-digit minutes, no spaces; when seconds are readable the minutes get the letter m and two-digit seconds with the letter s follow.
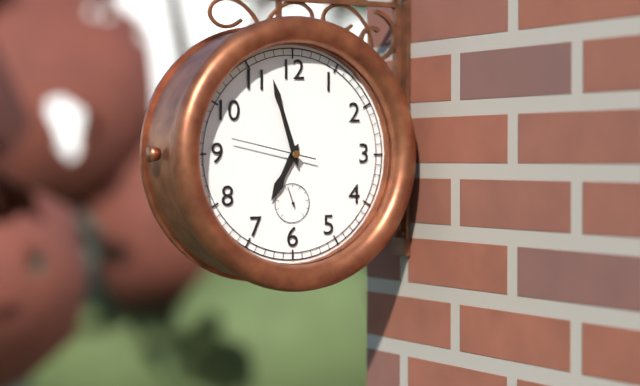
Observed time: 6h57m47s
